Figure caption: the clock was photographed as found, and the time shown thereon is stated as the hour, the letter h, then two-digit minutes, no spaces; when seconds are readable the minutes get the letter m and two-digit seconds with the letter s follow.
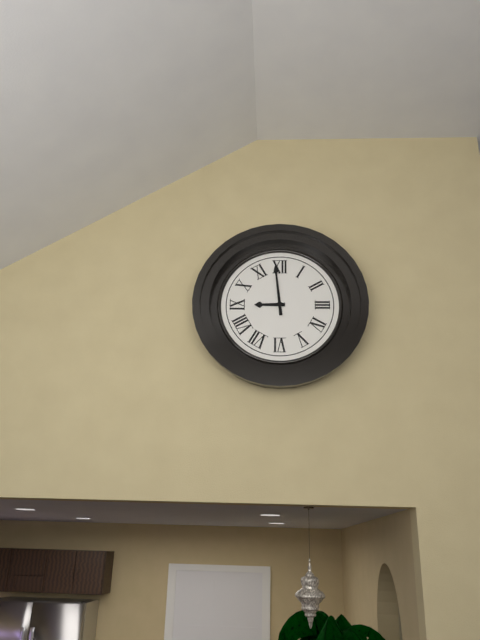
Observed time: 8h59
